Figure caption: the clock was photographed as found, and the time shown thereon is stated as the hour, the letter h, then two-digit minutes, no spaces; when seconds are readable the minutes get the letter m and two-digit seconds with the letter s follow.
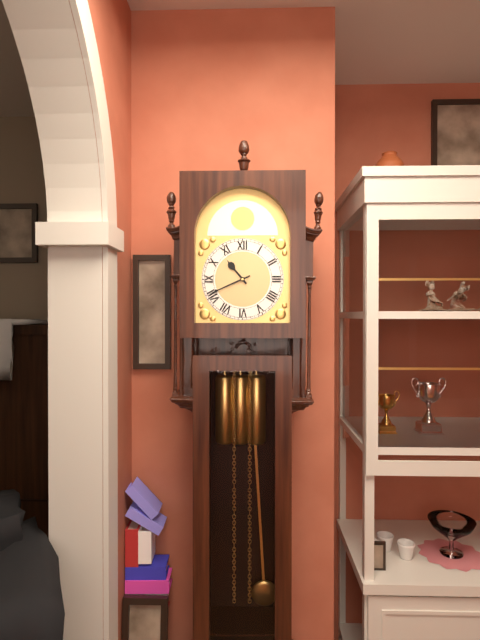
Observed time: 10h41
